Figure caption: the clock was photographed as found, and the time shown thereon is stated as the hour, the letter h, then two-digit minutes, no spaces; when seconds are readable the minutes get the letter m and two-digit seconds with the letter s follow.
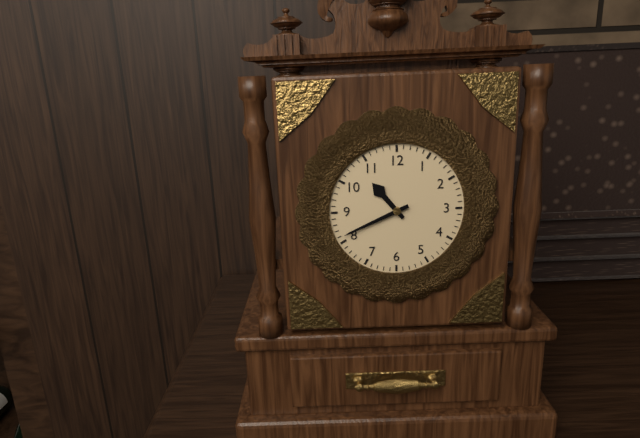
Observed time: 10h41
